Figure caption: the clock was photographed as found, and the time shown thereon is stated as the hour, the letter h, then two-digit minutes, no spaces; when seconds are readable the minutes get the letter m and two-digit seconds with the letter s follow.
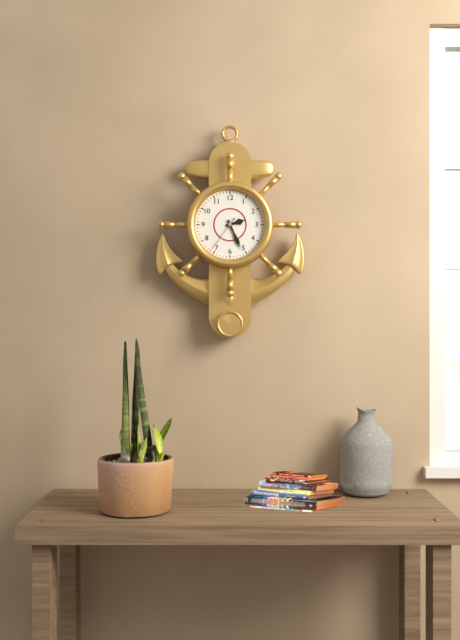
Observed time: 2h26
